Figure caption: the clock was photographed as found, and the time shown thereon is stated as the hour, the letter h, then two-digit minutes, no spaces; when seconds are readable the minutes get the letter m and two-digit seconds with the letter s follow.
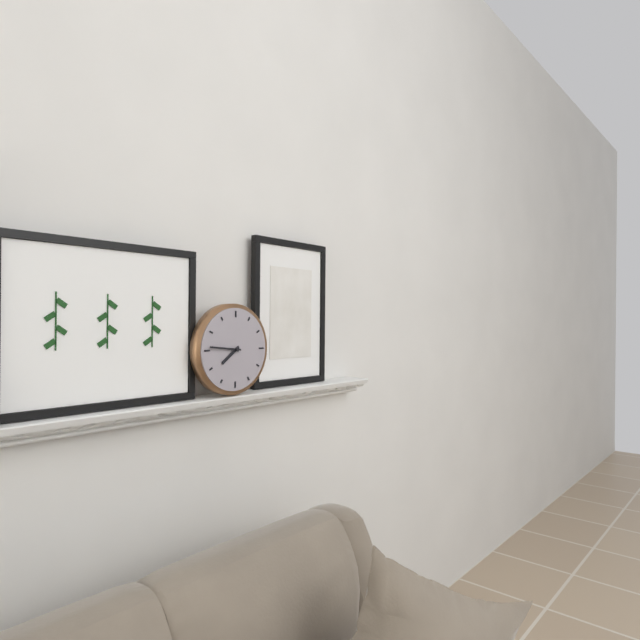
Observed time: 7h46
